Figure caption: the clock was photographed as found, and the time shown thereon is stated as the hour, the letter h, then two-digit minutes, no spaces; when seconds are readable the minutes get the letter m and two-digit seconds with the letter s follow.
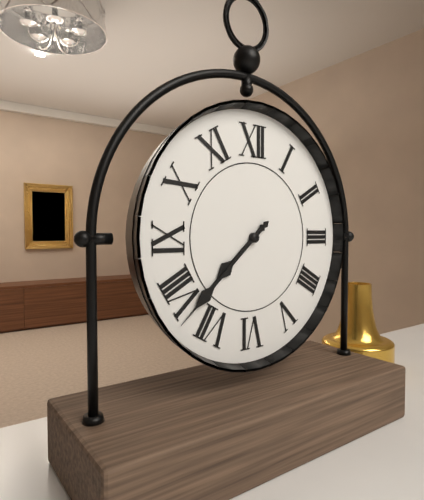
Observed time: 7h38
